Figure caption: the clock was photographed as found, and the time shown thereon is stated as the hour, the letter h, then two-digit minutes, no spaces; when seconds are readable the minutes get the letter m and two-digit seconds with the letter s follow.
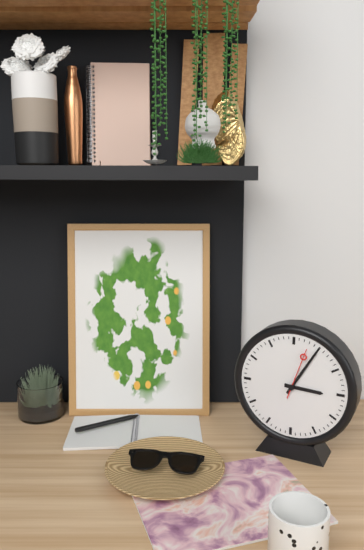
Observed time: 3h05
